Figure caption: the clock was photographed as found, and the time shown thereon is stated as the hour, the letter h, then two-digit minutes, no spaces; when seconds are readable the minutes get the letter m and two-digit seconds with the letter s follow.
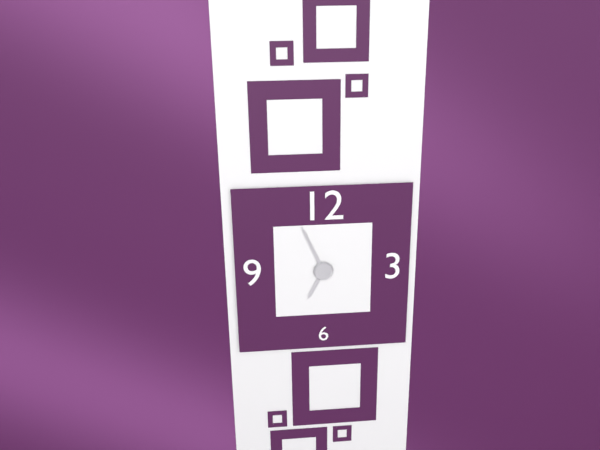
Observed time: 6h56
